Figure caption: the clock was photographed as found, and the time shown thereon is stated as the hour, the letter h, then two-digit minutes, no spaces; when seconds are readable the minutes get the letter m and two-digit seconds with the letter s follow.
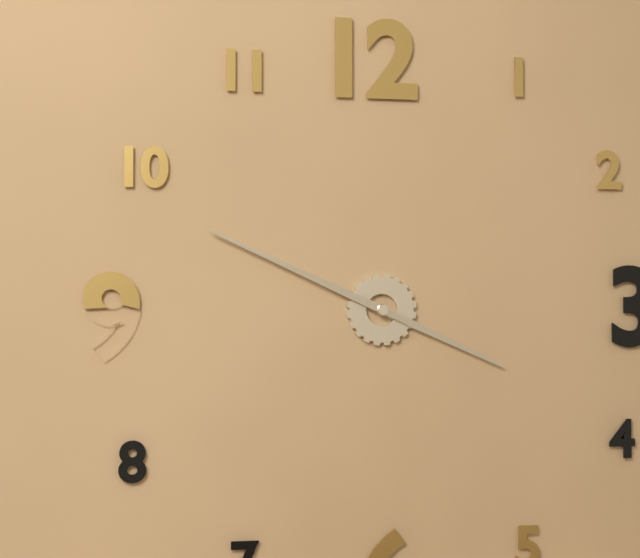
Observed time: 3h49
